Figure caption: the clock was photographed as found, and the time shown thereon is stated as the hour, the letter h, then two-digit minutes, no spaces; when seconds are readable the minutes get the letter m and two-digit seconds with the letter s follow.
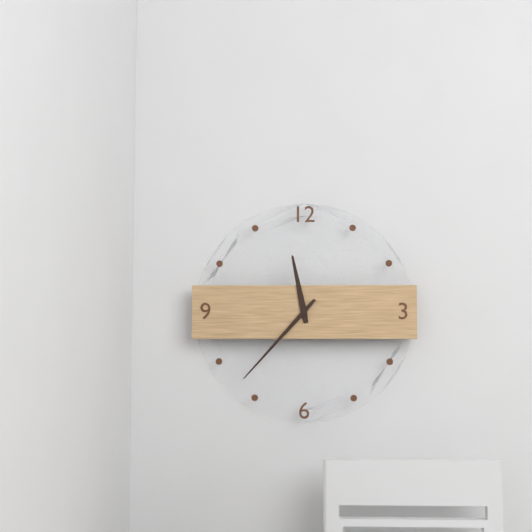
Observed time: 11h37
